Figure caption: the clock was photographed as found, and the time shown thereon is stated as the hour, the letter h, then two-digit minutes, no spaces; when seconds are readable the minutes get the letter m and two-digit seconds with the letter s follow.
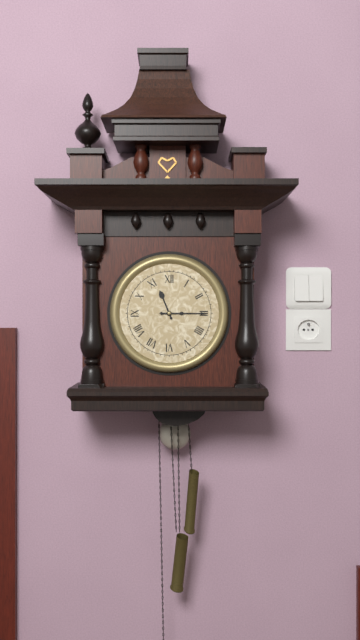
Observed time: 11h15
